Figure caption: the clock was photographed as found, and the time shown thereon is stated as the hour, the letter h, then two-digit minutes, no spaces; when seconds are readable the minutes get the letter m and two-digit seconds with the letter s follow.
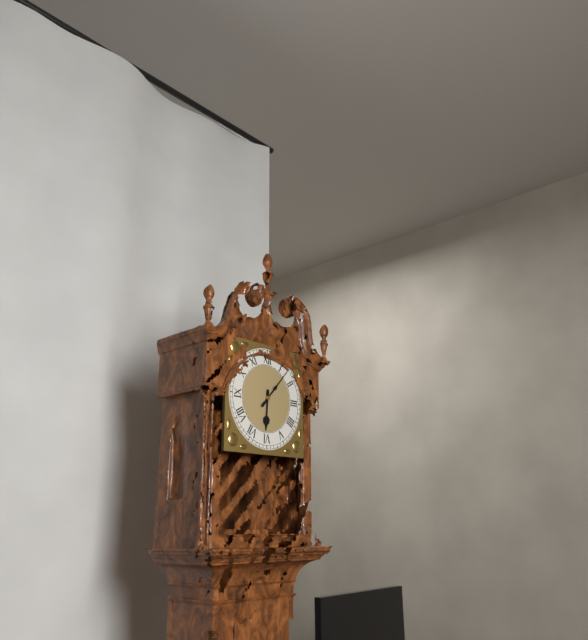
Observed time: 6h07
